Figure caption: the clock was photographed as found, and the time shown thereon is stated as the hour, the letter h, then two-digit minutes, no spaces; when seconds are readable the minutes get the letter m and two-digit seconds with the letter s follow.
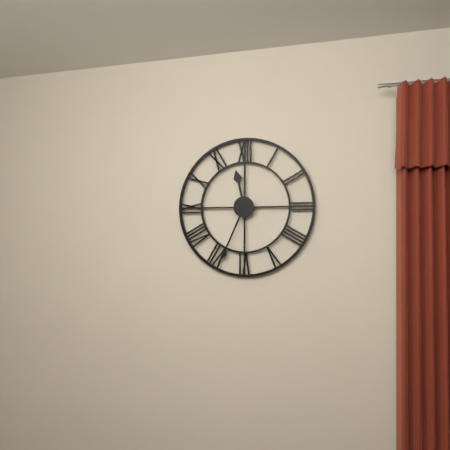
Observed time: 11h34
